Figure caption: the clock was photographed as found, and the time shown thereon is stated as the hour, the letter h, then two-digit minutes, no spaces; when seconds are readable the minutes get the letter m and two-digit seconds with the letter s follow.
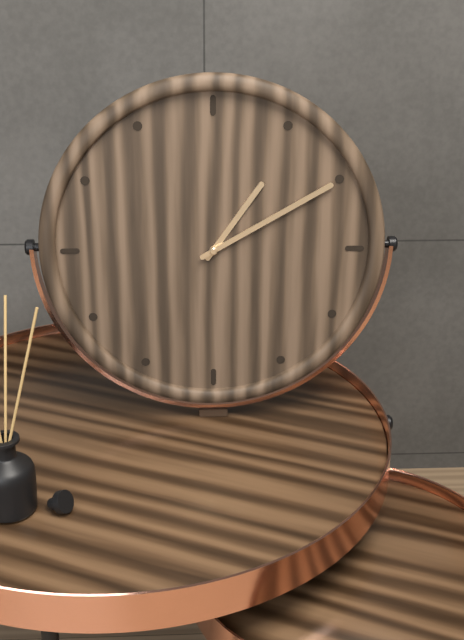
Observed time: 1h10
